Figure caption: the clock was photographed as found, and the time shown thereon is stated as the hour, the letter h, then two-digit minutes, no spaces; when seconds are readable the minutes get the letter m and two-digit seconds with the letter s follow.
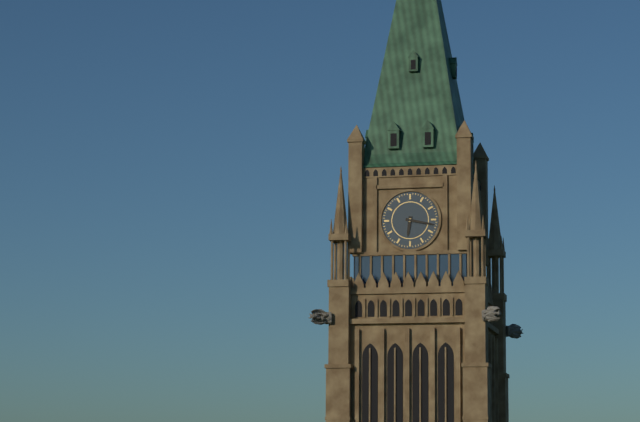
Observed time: 6h17
